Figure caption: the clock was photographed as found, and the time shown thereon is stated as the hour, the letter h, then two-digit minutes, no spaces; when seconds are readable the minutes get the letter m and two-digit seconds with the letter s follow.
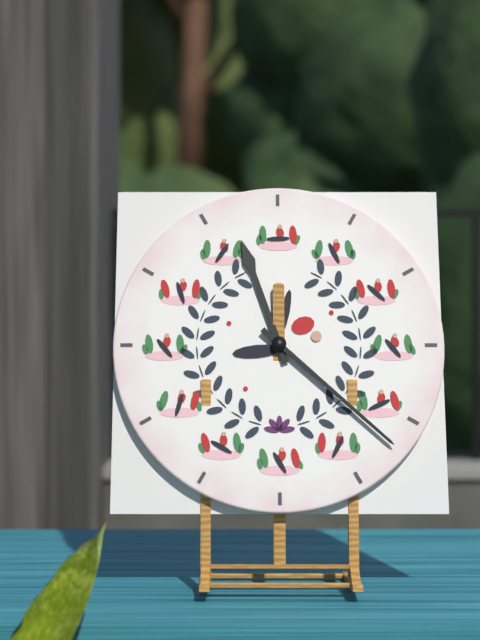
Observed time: 11h22
